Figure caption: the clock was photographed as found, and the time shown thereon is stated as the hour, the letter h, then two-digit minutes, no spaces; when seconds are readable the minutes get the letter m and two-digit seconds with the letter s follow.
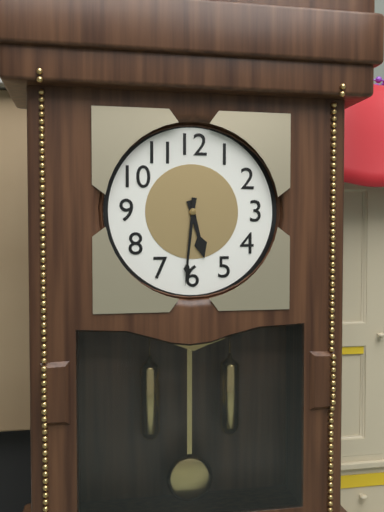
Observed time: 5h31
